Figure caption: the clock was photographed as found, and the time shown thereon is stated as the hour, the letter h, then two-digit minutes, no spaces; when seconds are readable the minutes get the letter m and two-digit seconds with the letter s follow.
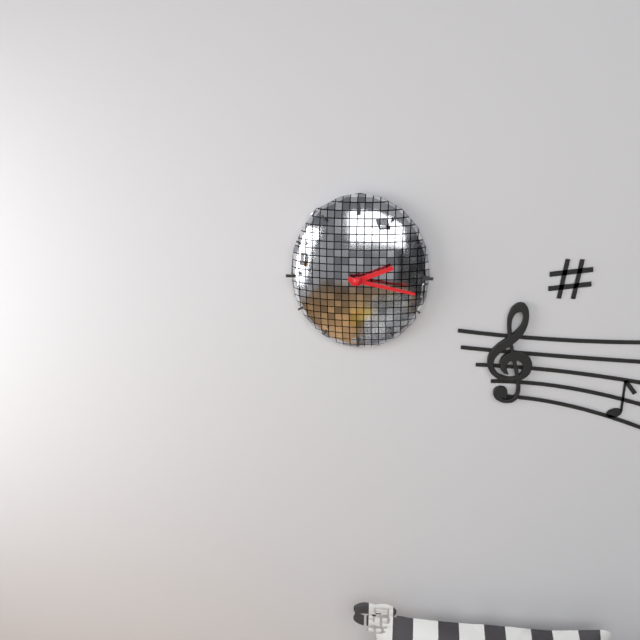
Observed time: 2h17
